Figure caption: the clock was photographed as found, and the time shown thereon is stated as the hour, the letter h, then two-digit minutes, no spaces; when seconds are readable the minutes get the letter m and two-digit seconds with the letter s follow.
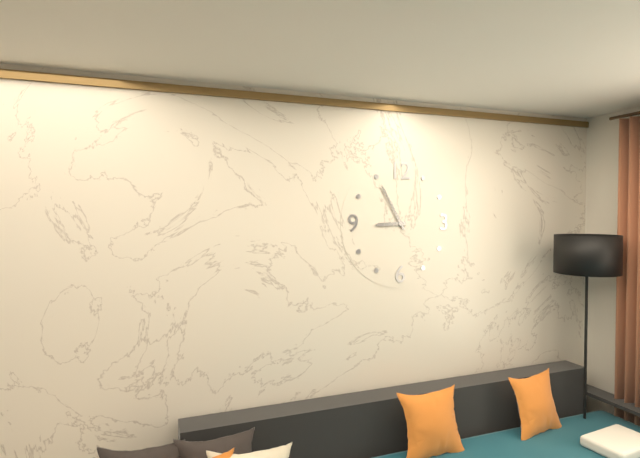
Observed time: 8h55
